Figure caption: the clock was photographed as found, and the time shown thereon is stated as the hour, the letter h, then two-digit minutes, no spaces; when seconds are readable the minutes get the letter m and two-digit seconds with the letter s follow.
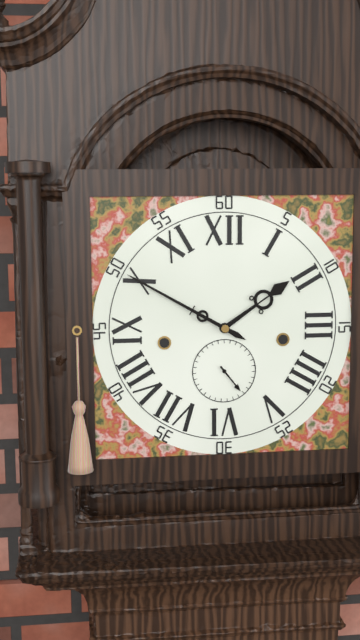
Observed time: 1h50
